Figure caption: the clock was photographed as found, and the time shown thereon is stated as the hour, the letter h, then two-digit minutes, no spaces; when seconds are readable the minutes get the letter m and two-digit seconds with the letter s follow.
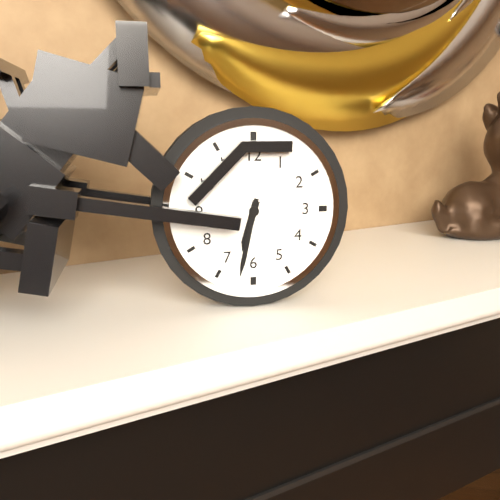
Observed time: 6h32
